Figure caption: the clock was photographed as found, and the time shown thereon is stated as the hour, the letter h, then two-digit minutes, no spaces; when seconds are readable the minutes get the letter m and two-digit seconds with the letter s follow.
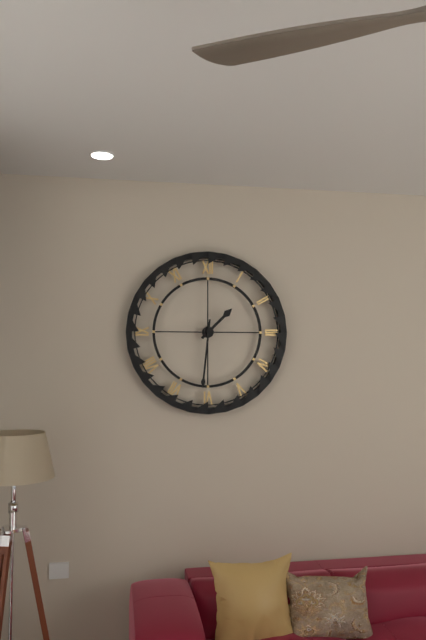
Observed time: 1h31
